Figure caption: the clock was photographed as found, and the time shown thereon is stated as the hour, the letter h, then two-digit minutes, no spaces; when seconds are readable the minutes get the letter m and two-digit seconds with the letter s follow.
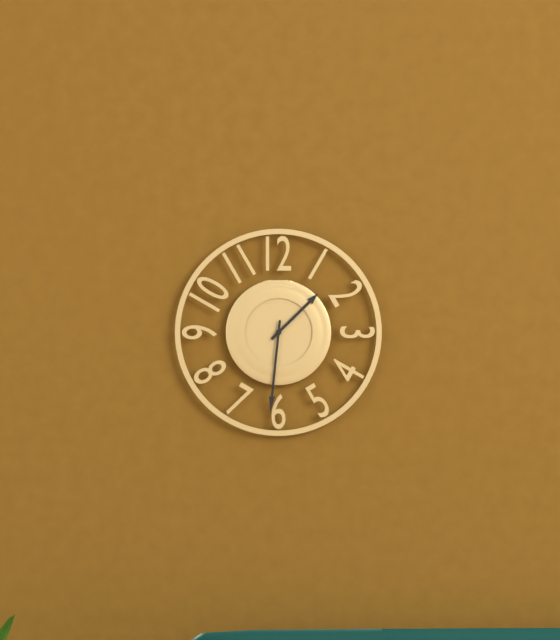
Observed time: 1h31
